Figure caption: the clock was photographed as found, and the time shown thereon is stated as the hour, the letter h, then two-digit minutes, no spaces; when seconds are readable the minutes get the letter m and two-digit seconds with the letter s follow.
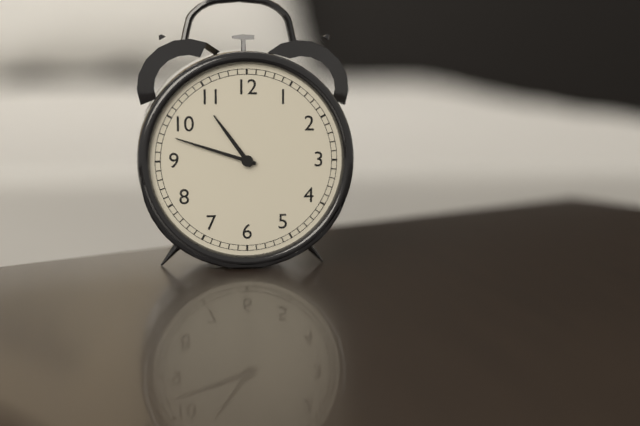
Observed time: 10h48
